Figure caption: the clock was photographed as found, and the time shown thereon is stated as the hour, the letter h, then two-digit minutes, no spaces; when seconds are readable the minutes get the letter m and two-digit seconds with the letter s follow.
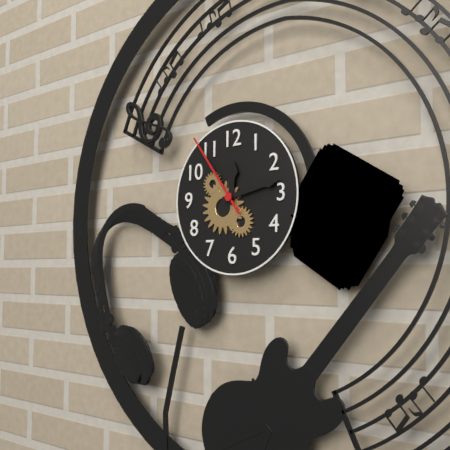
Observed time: 12h13m54s
